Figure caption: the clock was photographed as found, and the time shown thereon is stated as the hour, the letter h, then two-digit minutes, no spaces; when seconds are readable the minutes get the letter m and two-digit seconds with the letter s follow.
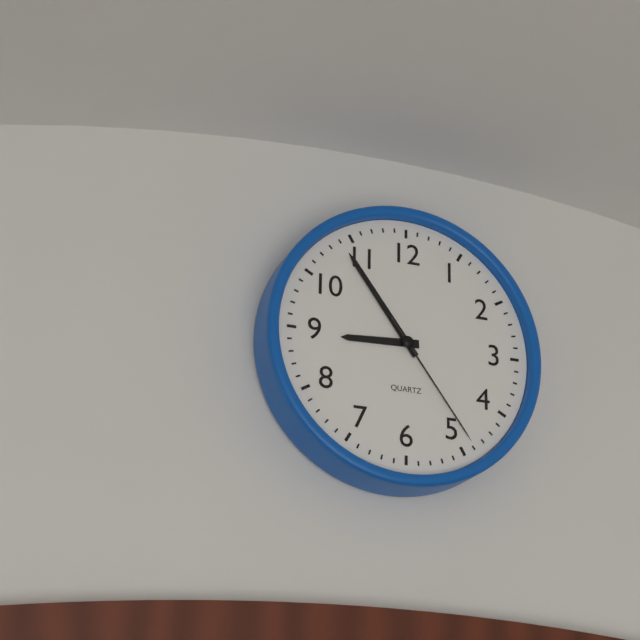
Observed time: 8h54m24s
